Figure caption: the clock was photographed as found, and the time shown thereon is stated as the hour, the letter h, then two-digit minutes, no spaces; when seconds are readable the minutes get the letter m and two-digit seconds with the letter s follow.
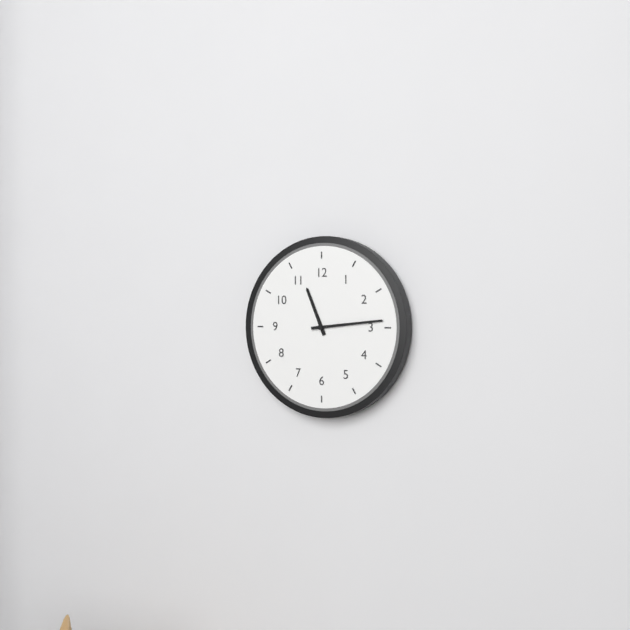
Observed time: 11h14
